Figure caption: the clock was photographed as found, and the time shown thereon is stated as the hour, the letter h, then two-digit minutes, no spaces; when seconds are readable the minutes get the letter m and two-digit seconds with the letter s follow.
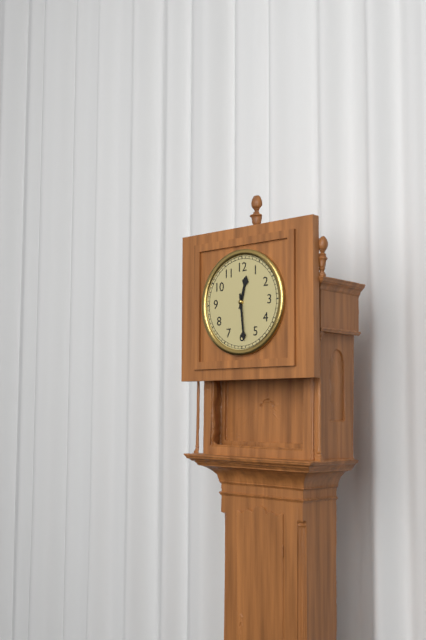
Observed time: 12h29
